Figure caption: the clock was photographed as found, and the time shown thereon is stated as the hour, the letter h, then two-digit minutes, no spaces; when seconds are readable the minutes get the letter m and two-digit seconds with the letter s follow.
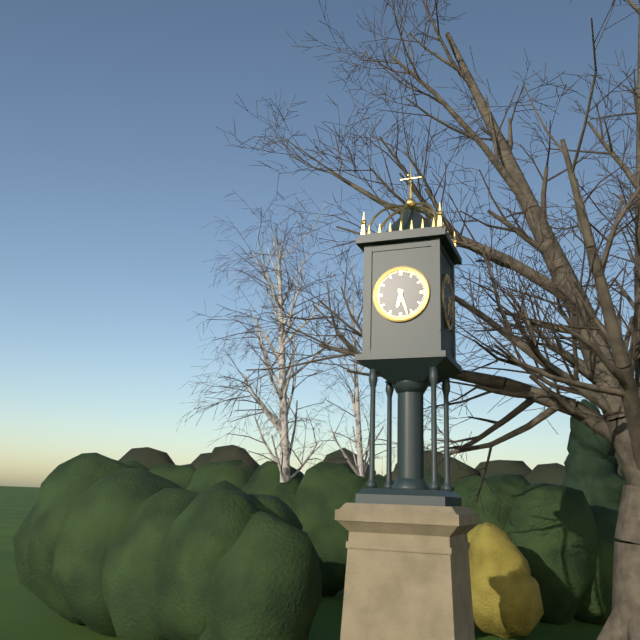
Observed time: 6h27
